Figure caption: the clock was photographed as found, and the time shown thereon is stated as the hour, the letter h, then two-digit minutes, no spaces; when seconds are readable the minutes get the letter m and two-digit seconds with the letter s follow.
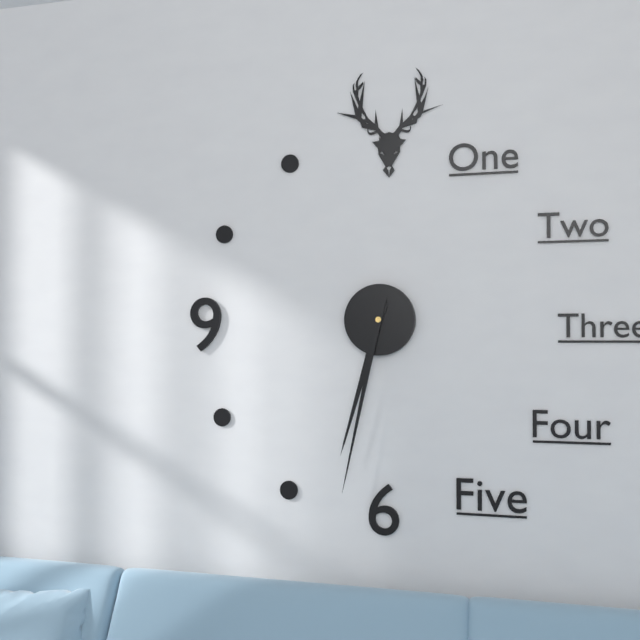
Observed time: 6h32
